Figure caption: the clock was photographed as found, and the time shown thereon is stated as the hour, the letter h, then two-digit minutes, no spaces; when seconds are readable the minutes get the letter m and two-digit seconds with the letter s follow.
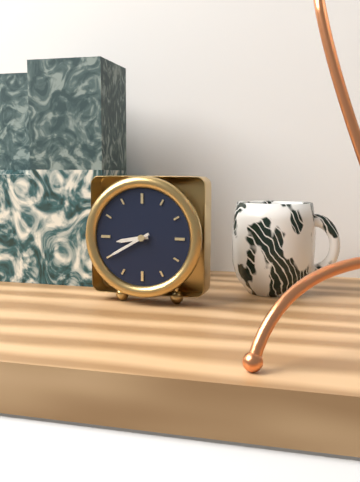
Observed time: 8h40
